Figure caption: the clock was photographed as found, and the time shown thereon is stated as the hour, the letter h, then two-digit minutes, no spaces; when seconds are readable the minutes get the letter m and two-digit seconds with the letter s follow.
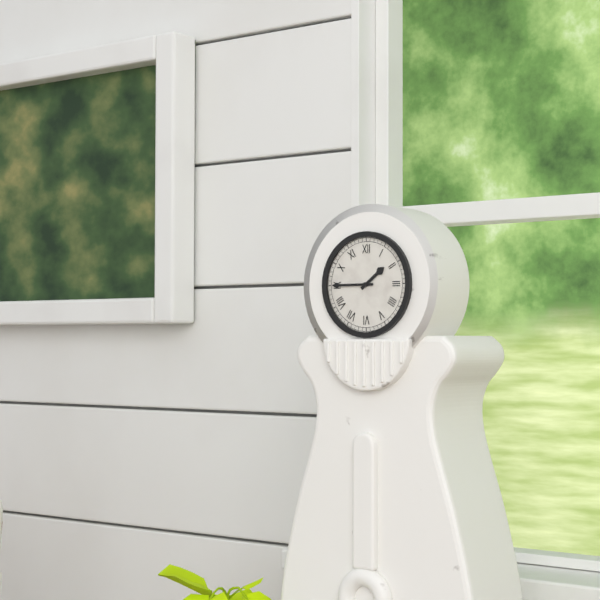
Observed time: 1h45
